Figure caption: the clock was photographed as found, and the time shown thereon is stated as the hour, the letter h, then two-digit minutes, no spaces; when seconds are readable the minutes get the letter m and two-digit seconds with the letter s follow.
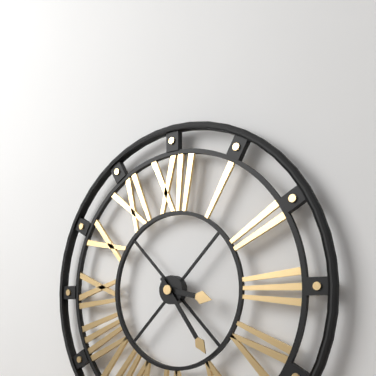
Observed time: 3h24
